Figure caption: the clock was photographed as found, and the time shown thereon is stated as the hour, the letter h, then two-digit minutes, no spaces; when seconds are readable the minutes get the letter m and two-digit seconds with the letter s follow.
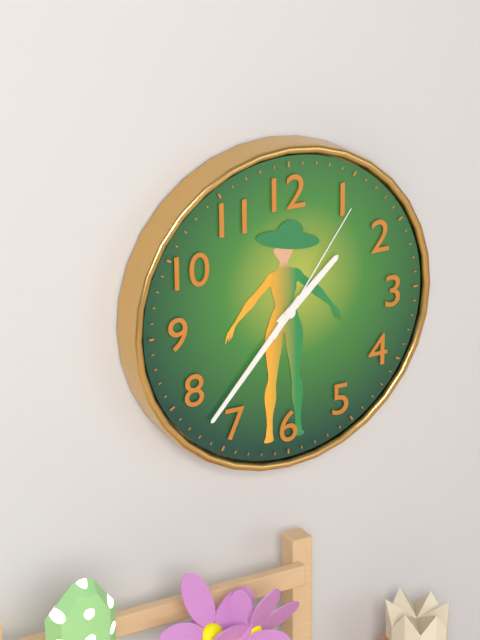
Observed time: 1h37m06s
